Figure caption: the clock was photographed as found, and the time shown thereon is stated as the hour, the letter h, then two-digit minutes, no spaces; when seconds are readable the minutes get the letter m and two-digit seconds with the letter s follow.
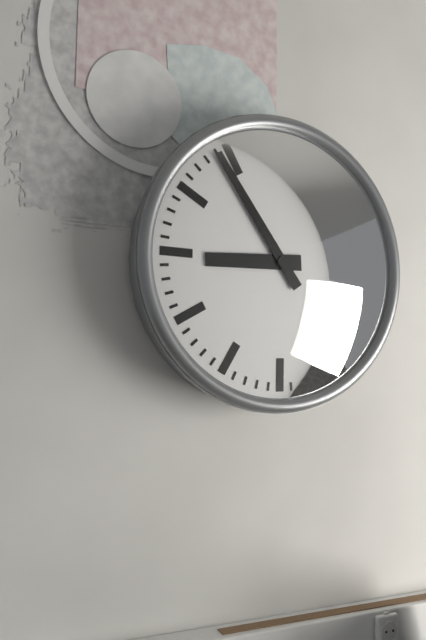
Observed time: 8h54
